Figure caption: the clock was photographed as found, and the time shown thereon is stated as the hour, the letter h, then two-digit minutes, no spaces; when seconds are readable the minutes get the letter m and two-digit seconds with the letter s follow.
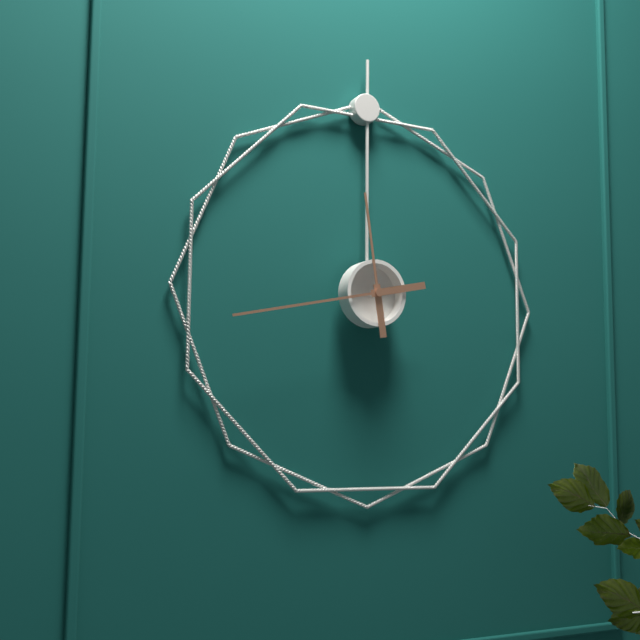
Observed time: 11h43
